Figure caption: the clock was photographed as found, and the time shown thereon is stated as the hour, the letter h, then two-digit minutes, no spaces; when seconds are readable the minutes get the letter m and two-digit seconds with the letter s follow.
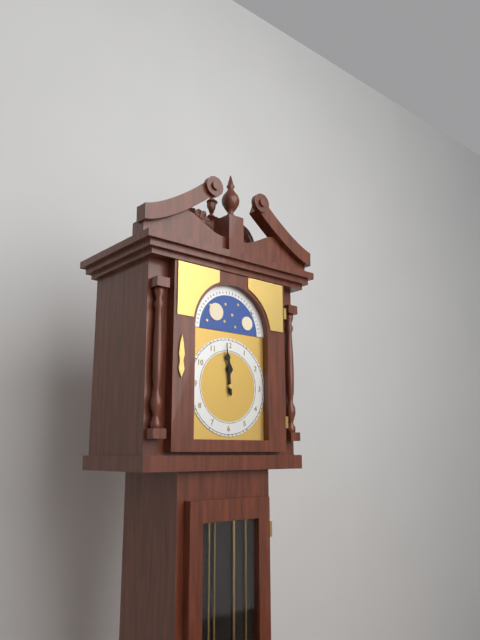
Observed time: 11h59
